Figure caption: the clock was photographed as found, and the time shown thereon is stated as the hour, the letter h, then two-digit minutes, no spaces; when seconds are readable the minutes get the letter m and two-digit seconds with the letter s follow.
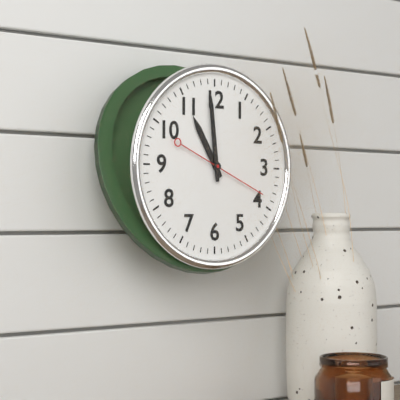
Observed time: 10h59m19s
